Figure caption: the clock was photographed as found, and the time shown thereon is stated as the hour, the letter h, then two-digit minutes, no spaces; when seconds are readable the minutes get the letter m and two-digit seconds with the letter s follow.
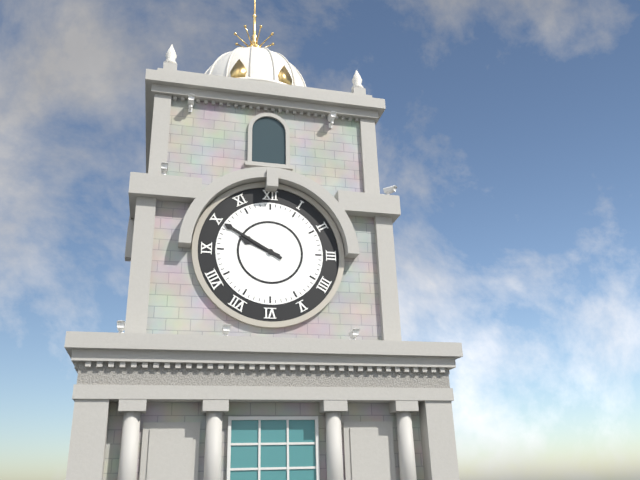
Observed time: 9h50
